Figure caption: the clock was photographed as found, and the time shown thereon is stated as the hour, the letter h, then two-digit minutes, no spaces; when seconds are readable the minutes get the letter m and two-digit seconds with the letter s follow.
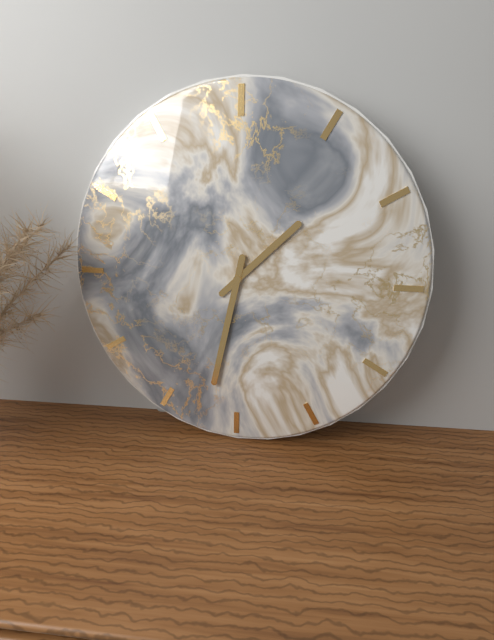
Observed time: 1h32
